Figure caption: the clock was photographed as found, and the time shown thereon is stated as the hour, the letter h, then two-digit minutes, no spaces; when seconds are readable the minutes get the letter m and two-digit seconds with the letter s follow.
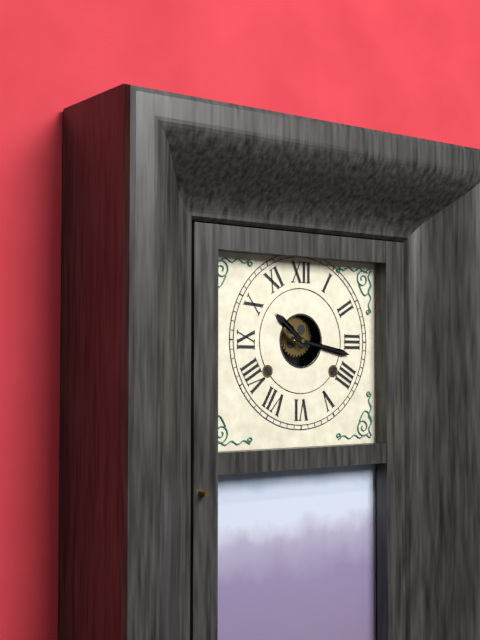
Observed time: 10h17
